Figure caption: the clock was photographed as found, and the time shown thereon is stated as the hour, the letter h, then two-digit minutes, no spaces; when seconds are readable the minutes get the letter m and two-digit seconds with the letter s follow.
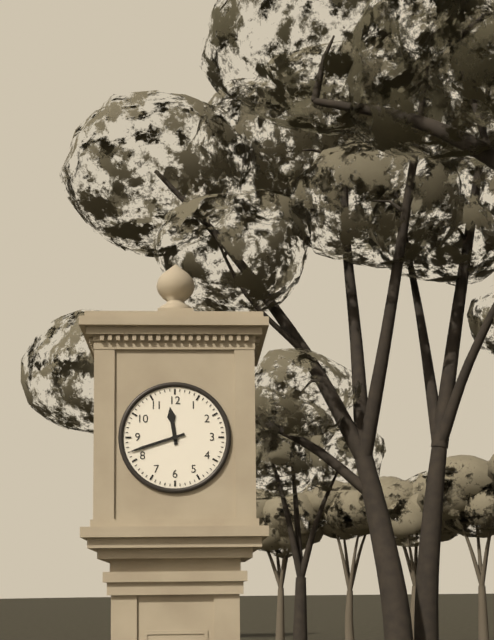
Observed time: 11h42
